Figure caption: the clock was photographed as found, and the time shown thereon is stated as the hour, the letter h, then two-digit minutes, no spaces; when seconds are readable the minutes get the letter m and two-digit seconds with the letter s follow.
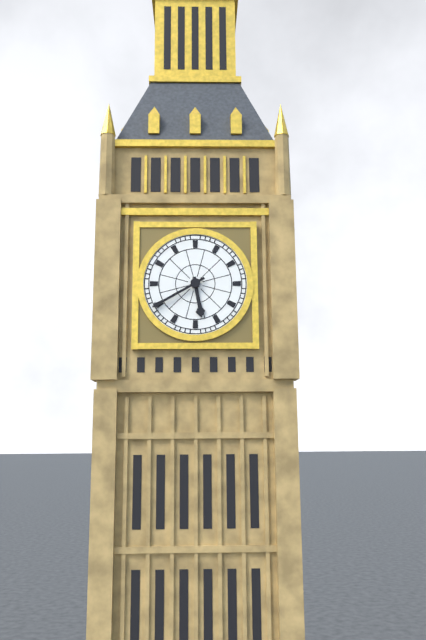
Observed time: 5h40
